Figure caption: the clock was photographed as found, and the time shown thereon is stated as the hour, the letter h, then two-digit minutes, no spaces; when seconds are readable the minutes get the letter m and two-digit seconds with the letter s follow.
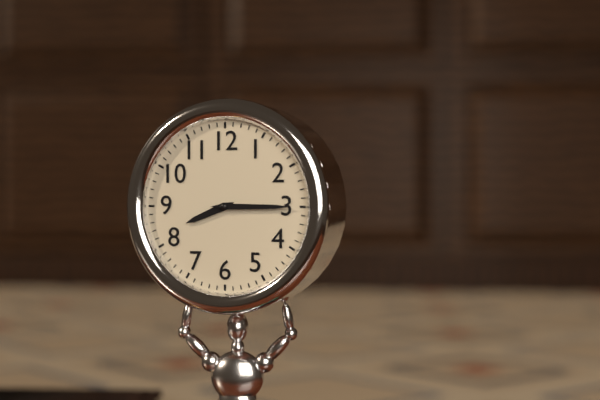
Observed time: 8h15
